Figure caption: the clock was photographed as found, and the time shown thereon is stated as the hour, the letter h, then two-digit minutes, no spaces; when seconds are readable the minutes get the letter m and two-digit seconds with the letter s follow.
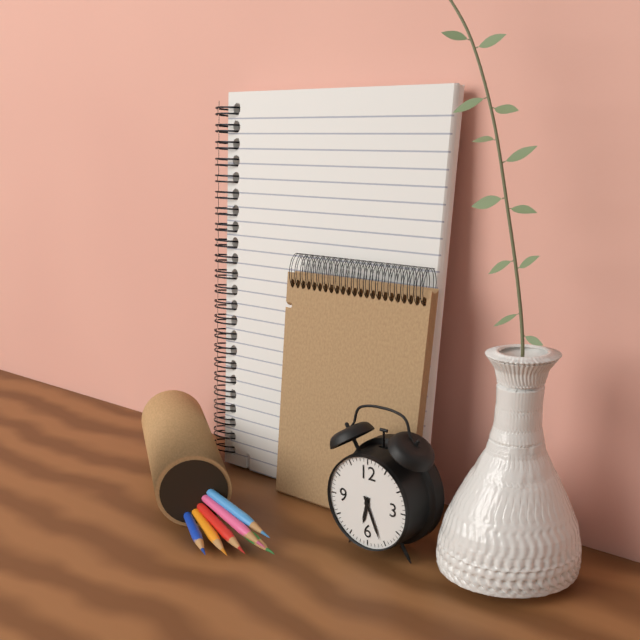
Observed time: 6h26
